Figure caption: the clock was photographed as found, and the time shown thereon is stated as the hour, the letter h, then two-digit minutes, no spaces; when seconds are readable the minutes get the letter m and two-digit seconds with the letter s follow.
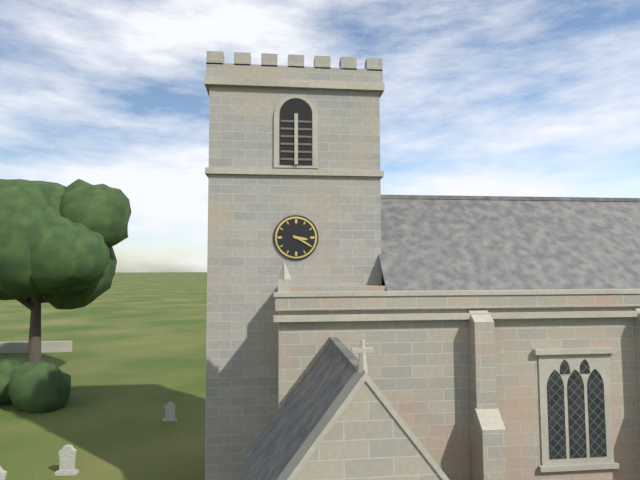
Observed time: 3h20
